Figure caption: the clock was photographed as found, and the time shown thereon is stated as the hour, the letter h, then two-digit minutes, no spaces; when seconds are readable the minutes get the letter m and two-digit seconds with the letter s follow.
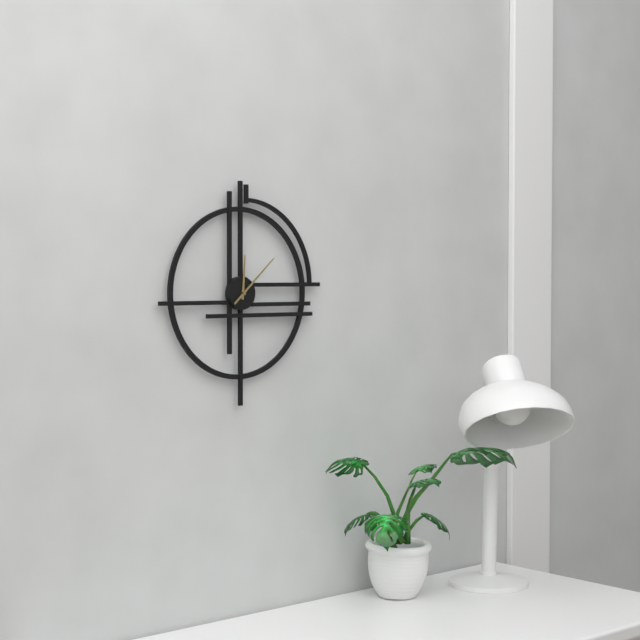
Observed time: 12h08
